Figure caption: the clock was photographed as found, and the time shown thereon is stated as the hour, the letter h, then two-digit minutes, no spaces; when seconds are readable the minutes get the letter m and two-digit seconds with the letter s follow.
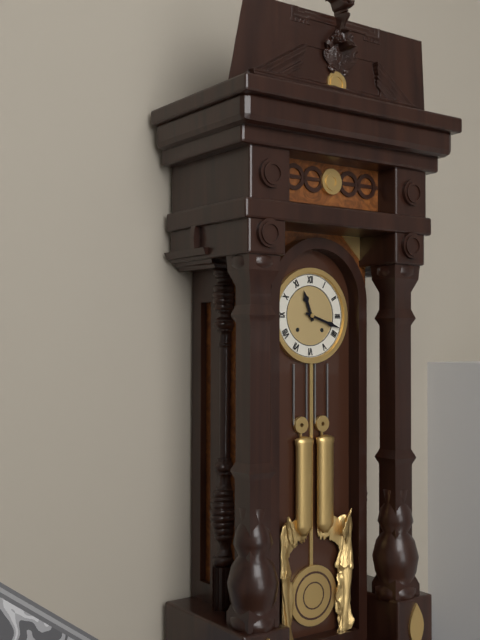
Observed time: 11h18
